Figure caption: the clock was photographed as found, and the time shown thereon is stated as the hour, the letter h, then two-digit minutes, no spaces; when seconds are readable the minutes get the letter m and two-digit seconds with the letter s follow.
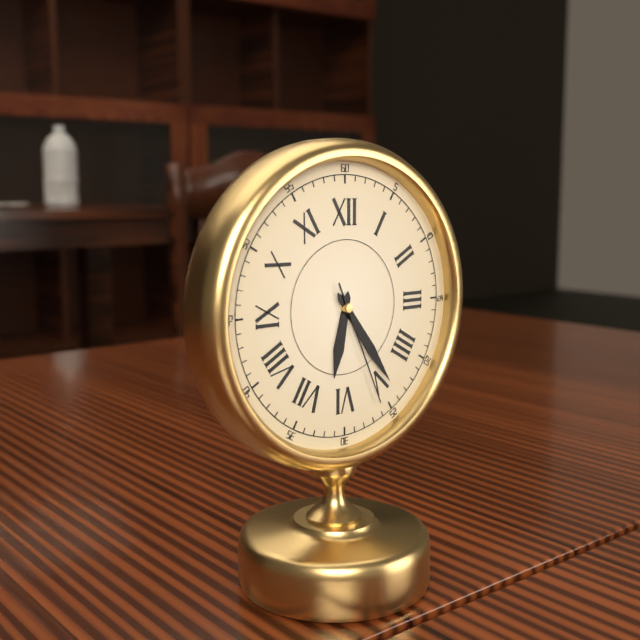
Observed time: 6h24m26s
